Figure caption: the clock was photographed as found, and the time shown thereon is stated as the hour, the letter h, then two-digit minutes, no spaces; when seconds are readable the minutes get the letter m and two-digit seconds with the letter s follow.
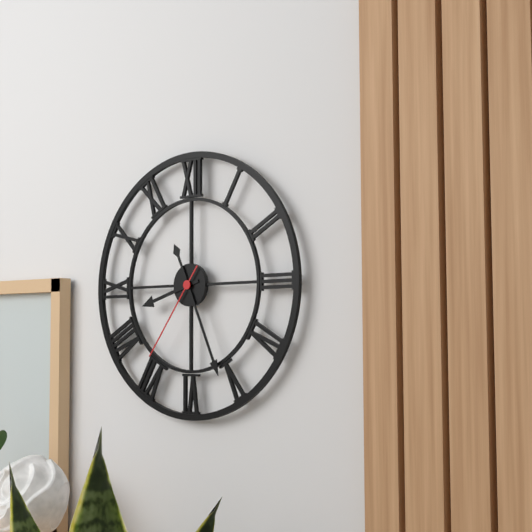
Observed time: 8h26m36s
